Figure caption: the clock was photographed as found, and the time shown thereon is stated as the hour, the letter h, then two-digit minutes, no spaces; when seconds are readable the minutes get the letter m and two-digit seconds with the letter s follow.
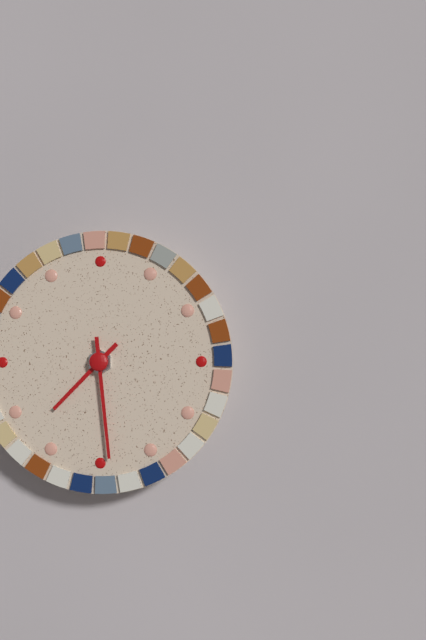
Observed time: 7h29
